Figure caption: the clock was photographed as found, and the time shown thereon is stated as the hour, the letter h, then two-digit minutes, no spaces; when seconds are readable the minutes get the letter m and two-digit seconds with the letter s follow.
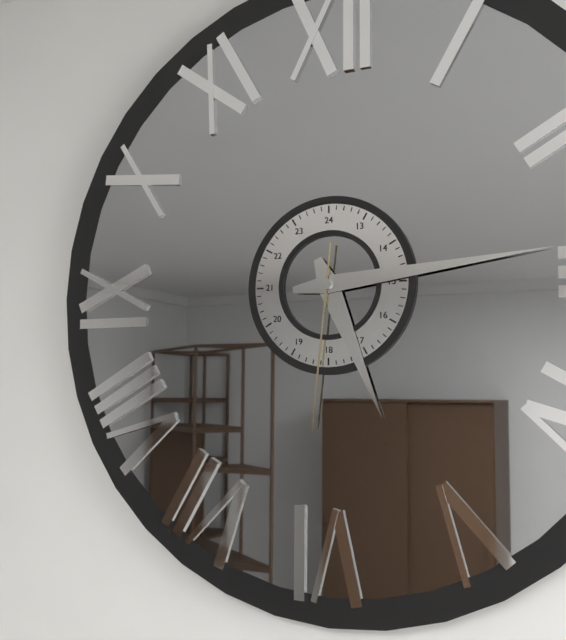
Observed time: 5h14m31s
